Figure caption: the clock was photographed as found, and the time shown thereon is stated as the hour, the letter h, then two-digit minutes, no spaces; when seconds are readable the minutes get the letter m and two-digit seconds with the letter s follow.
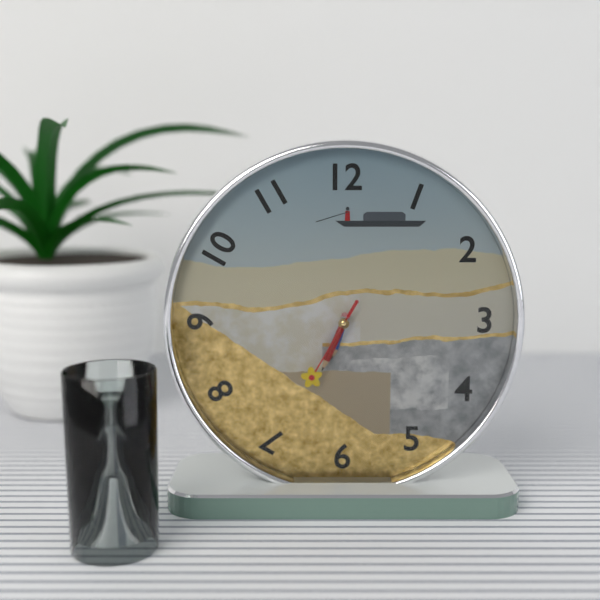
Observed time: 6h34m35s
